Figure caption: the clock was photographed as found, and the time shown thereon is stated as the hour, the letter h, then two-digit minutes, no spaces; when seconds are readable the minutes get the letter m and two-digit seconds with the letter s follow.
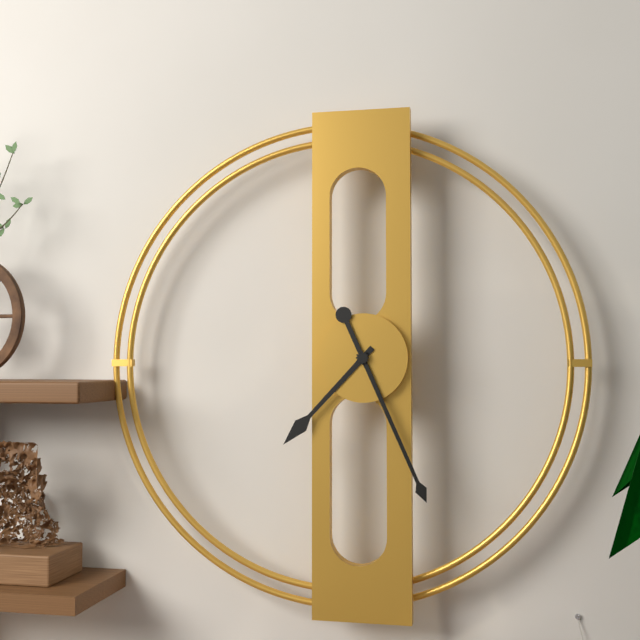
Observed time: 7h26
